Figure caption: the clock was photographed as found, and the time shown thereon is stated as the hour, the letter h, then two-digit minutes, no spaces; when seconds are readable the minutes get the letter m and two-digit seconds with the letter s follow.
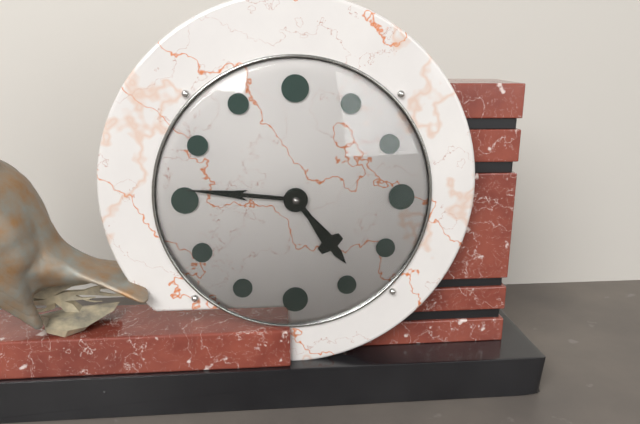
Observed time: 4h46
